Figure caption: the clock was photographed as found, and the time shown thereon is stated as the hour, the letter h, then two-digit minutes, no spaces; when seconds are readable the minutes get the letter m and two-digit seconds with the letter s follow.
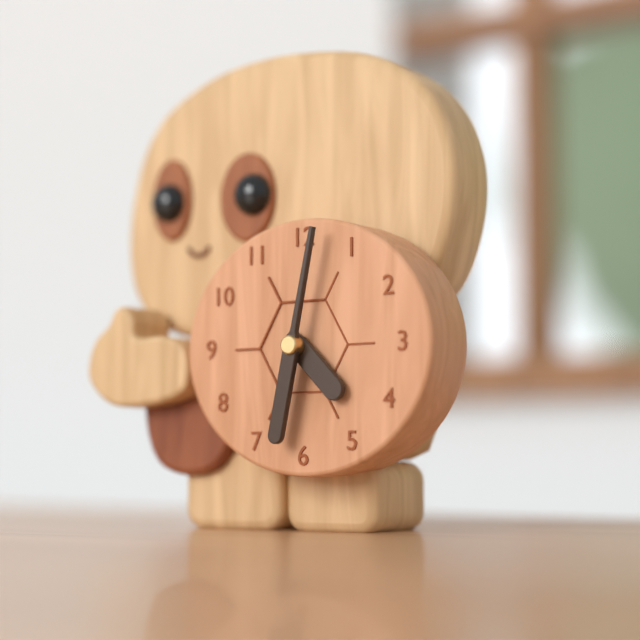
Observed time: 4h32
